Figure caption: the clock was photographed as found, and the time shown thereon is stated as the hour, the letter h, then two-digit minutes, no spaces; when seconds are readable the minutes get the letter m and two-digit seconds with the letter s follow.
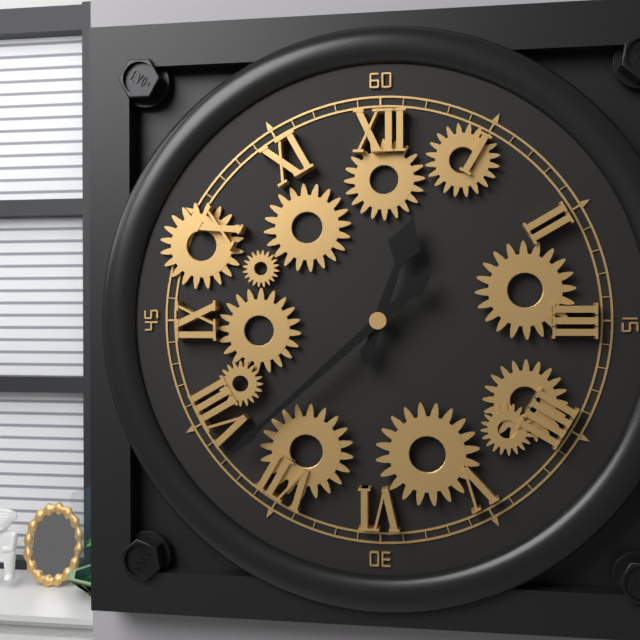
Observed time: 12h38
